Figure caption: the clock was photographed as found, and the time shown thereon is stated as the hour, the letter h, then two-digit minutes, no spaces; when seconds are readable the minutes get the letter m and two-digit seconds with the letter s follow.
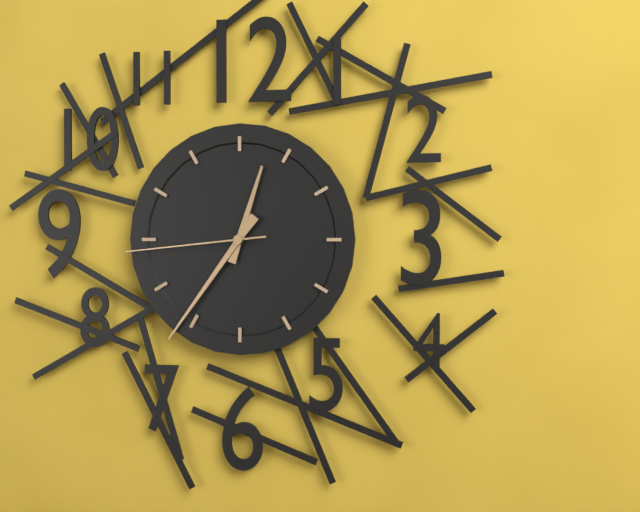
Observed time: 12h36m44s
